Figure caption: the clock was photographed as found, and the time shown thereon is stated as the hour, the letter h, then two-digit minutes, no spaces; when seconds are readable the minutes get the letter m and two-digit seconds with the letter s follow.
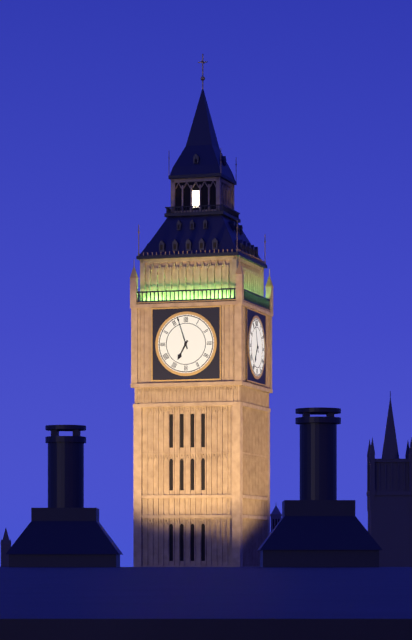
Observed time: 6h57
